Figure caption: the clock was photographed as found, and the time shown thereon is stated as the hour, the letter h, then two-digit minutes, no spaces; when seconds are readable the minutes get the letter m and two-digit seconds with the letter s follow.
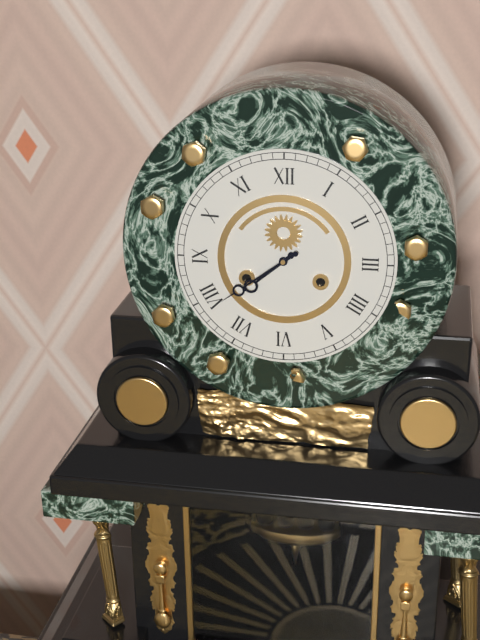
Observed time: 7h39
